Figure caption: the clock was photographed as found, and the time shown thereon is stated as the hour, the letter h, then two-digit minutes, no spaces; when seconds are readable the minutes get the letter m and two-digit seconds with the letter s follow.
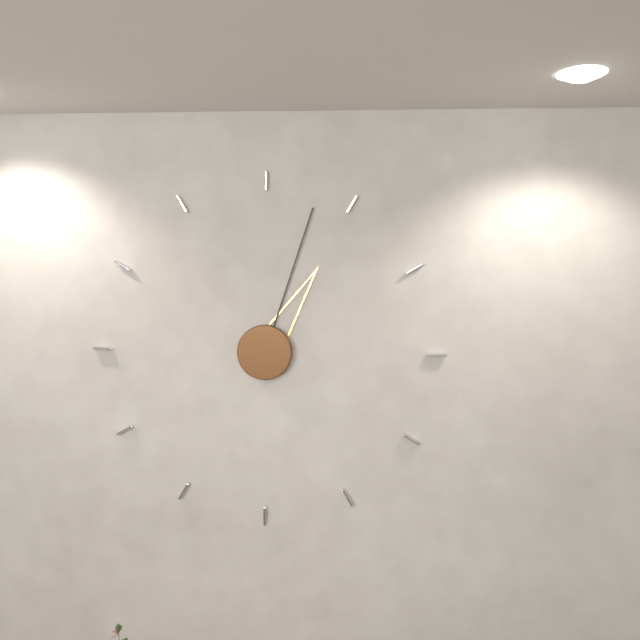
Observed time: 1h03
